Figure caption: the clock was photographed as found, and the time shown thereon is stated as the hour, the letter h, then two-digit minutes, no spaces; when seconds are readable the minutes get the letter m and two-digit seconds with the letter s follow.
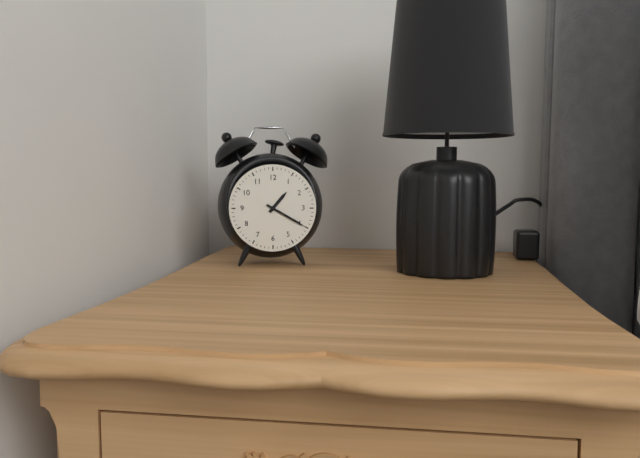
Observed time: 1h20
